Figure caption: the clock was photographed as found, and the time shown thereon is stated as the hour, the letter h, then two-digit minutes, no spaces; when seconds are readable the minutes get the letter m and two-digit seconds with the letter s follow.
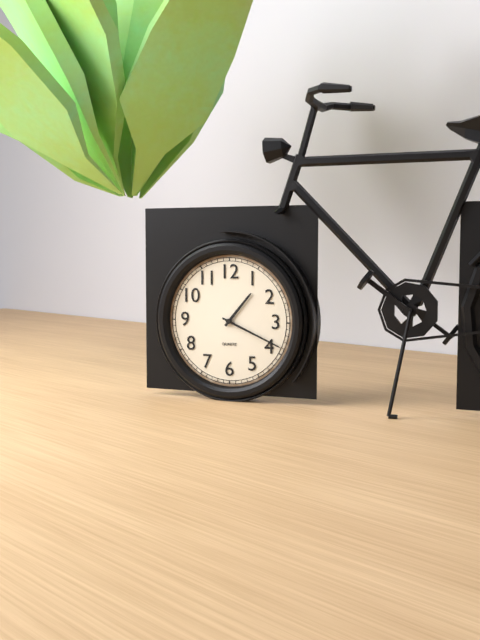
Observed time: 1h19
